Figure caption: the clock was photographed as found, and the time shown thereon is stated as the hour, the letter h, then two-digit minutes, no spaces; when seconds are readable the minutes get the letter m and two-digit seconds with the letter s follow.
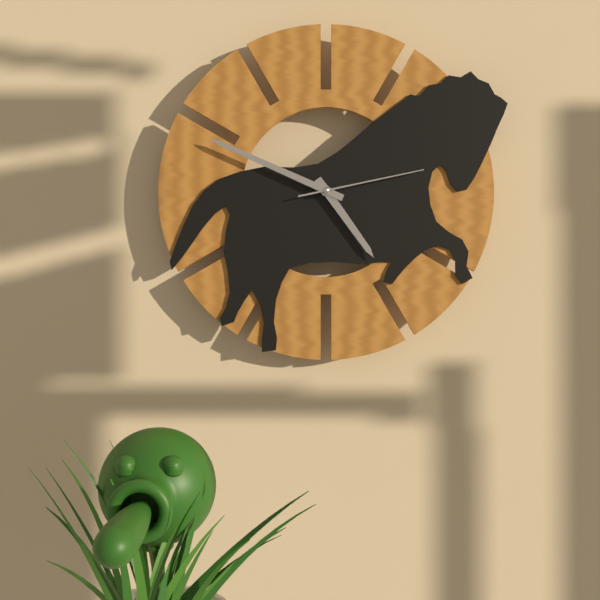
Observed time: 4h49m13s
